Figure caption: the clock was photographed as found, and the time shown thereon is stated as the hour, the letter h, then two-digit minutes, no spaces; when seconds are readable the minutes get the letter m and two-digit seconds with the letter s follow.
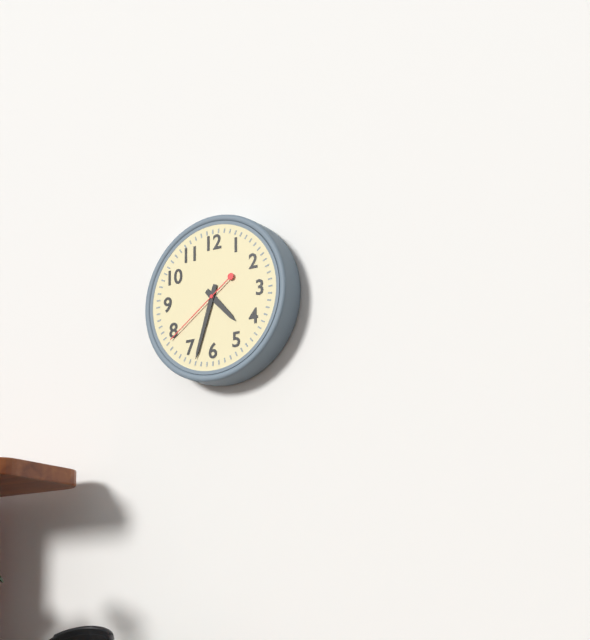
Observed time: 4h33m39s
